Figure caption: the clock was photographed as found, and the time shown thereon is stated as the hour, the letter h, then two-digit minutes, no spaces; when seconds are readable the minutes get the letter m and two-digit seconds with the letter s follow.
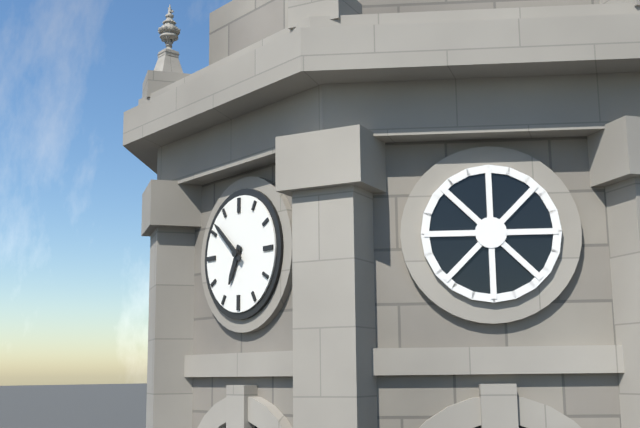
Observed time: 6h52
